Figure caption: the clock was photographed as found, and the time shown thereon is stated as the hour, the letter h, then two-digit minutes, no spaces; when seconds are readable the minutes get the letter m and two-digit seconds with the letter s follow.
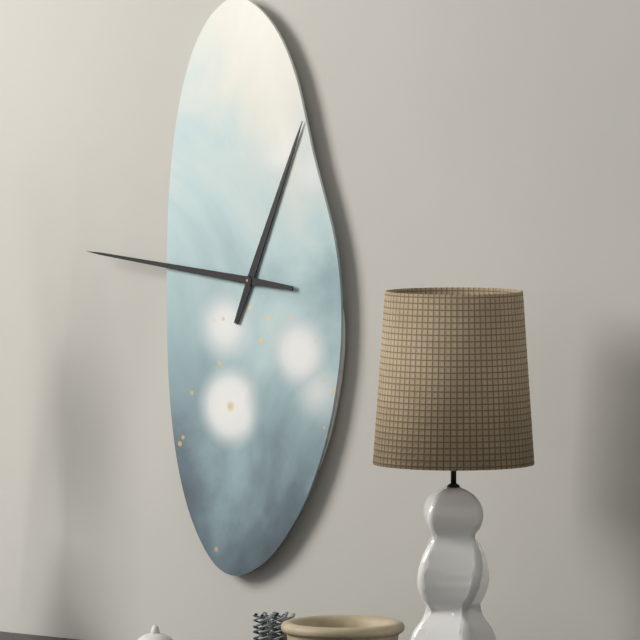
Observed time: 12h46
